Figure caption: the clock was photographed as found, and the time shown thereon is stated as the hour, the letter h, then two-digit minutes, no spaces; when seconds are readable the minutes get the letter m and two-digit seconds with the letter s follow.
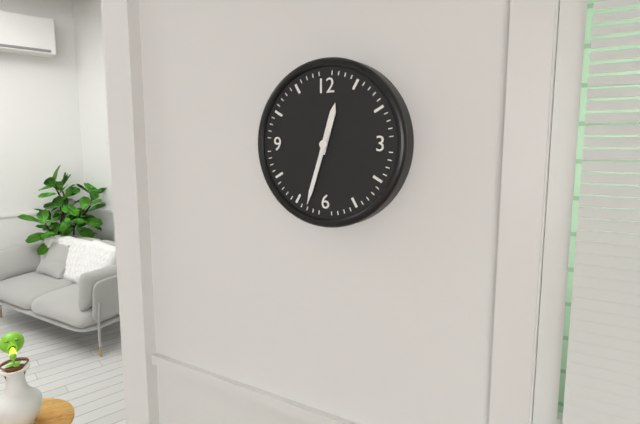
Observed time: 12h33
